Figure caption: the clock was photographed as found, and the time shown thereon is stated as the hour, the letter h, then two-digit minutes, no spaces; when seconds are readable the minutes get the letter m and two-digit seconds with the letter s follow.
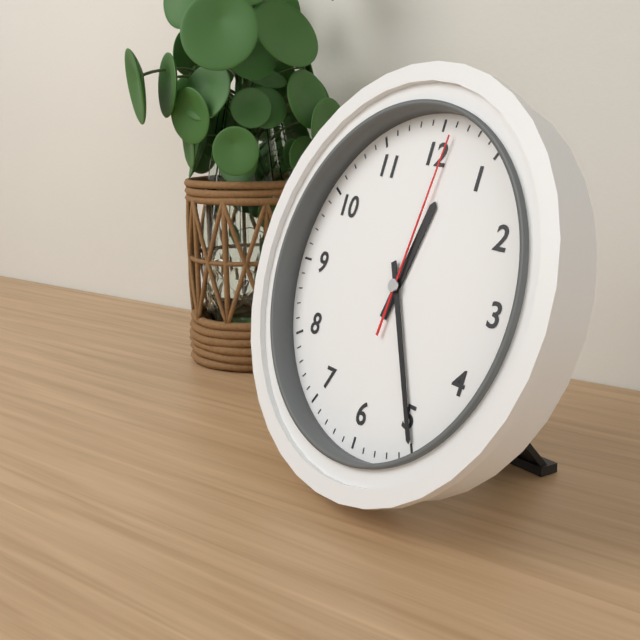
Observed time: 12h25m01s
